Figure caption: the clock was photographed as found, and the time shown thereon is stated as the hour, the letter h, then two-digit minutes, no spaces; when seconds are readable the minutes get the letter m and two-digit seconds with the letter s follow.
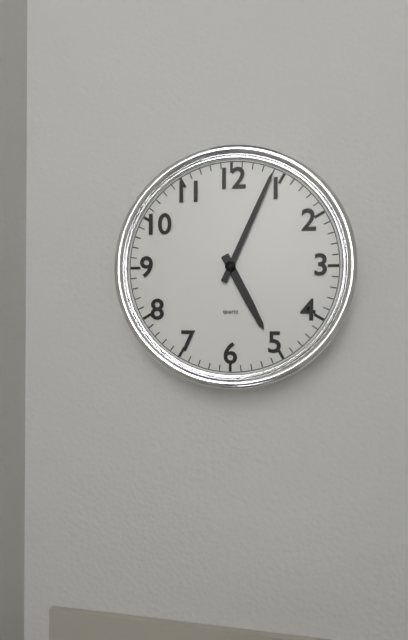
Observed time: 5h04
